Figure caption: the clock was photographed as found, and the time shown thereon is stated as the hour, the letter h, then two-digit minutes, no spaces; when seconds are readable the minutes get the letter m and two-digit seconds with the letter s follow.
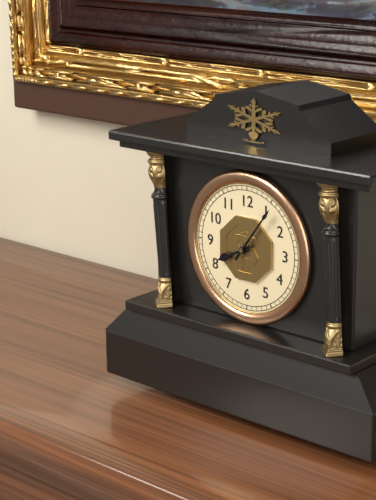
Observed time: 8h06
